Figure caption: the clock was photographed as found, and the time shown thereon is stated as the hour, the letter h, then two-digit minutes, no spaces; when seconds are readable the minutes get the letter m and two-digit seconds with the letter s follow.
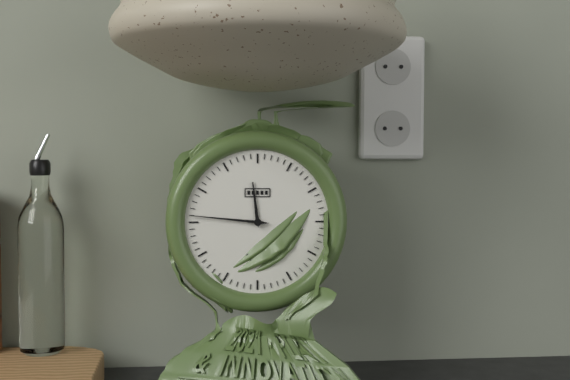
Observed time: 11h46
